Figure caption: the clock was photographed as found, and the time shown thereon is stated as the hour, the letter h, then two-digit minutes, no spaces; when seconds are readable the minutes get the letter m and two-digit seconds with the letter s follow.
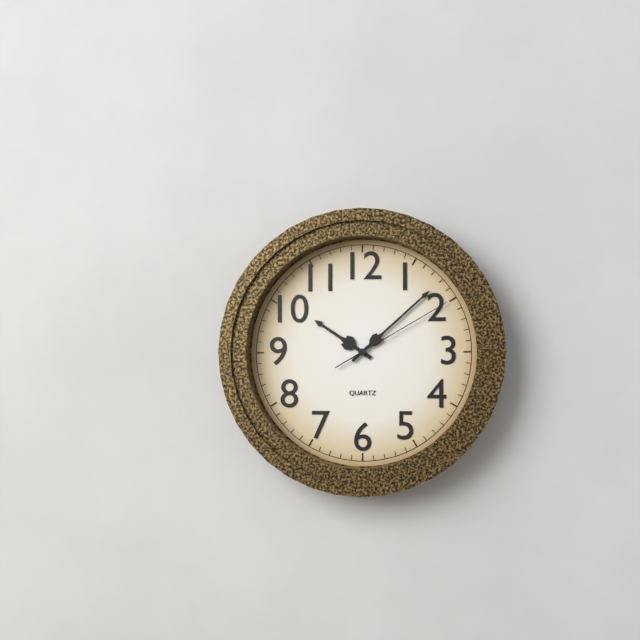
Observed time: 10h08m10s
